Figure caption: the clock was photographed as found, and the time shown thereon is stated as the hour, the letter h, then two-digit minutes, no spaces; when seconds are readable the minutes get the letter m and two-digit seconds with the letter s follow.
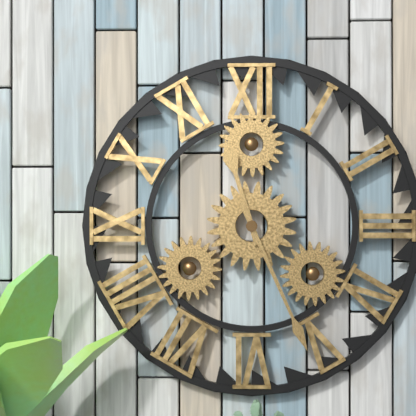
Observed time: 11h26
